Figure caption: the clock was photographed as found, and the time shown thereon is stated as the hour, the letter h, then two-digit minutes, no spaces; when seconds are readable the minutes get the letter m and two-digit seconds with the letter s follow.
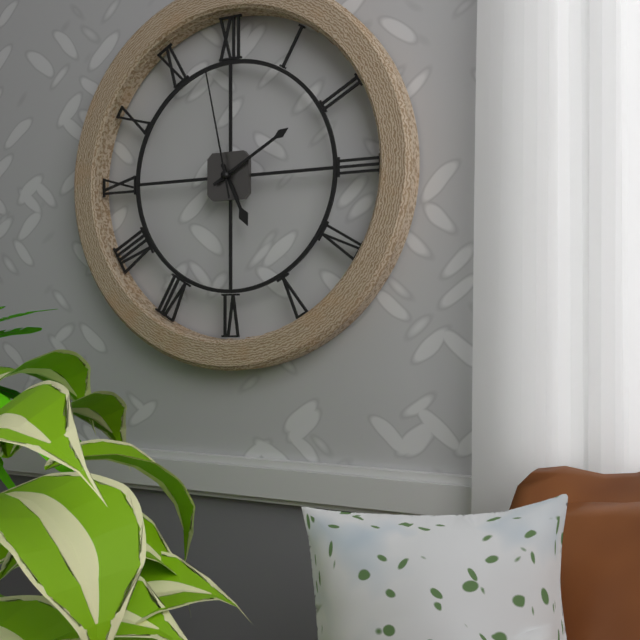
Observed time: 5h10m58s
